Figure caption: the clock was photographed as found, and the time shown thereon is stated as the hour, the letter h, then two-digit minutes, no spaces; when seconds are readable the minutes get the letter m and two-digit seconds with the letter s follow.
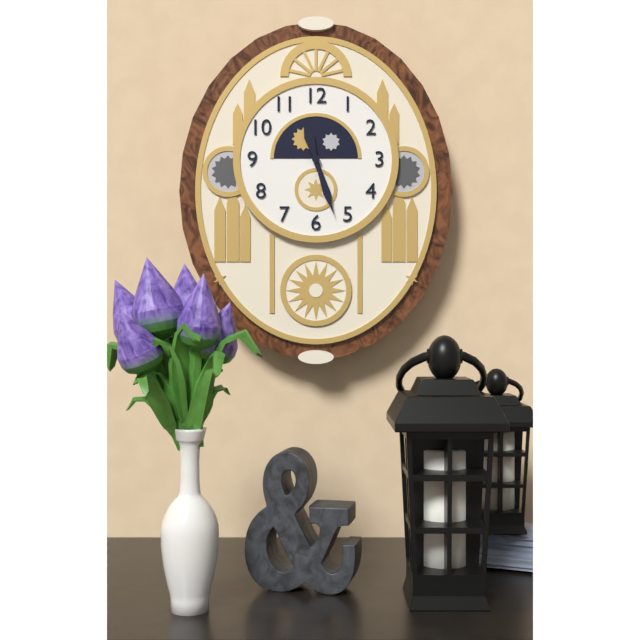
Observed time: 11h27
